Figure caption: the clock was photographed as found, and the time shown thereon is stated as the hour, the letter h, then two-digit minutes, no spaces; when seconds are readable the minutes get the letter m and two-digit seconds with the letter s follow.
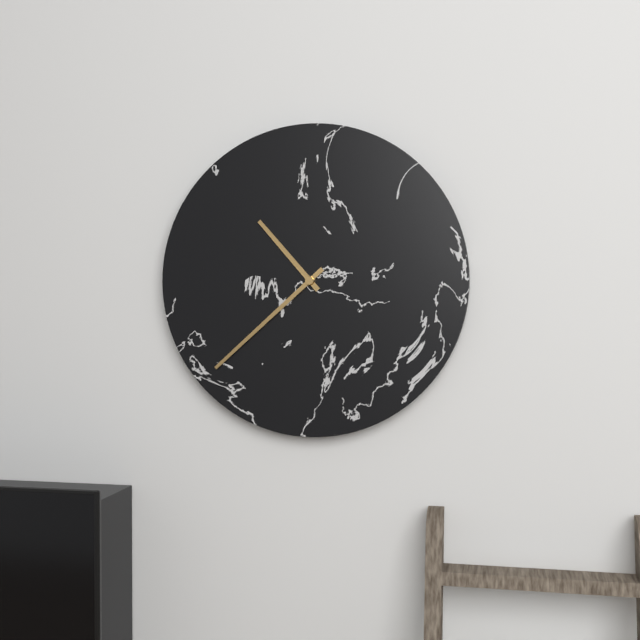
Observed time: 10h38
